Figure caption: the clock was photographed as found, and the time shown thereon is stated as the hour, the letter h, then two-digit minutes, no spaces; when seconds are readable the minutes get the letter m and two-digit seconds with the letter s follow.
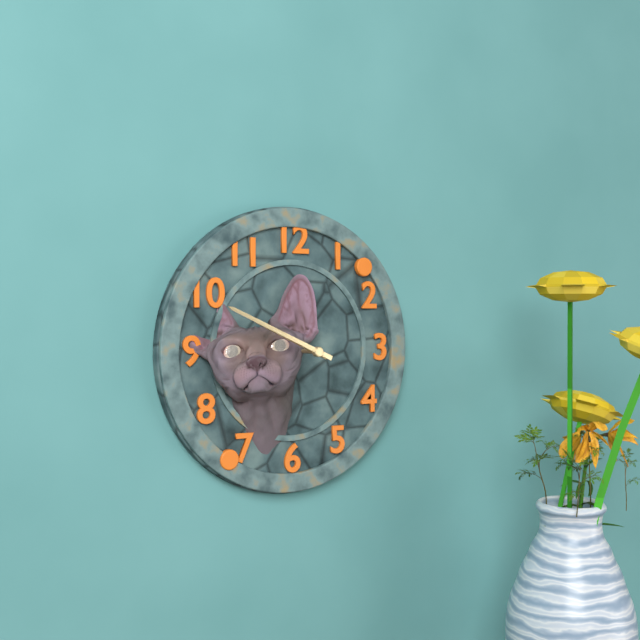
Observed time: 9h49
